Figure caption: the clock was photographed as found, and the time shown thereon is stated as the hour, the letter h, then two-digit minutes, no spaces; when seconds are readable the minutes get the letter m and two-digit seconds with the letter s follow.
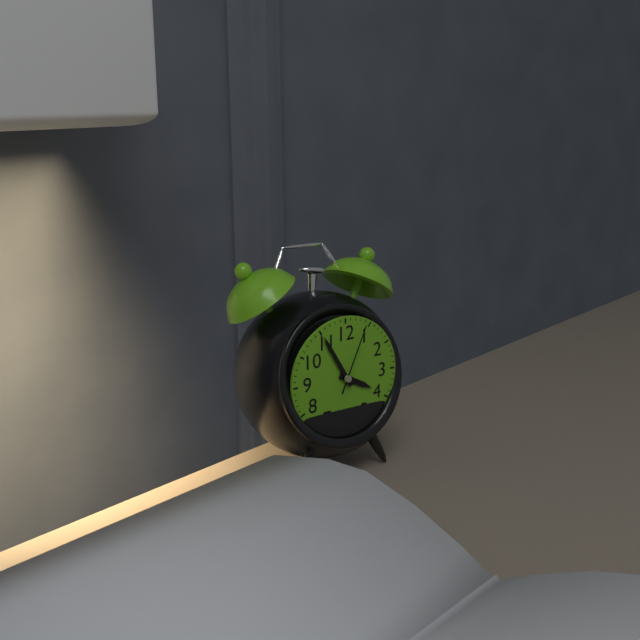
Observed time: 3h55m04s
